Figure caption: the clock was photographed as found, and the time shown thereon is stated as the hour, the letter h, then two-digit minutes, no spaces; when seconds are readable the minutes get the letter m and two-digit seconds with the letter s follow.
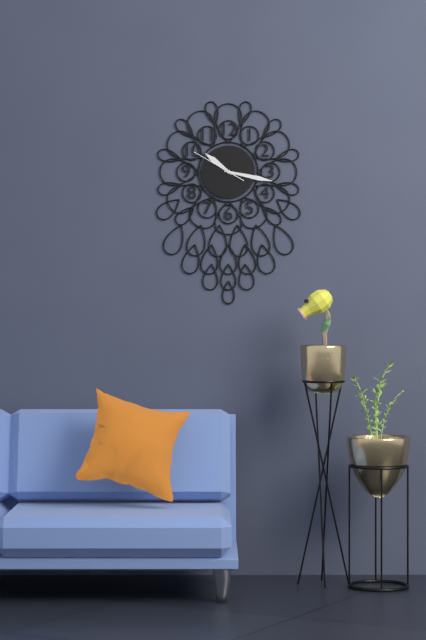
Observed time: 10h17m50s
